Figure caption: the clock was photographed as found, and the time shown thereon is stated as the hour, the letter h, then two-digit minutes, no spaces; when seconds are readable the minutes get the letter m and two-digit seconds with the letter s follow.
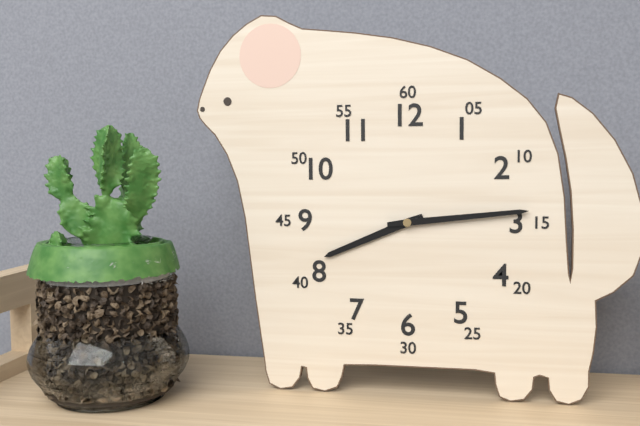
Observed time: 8h14
